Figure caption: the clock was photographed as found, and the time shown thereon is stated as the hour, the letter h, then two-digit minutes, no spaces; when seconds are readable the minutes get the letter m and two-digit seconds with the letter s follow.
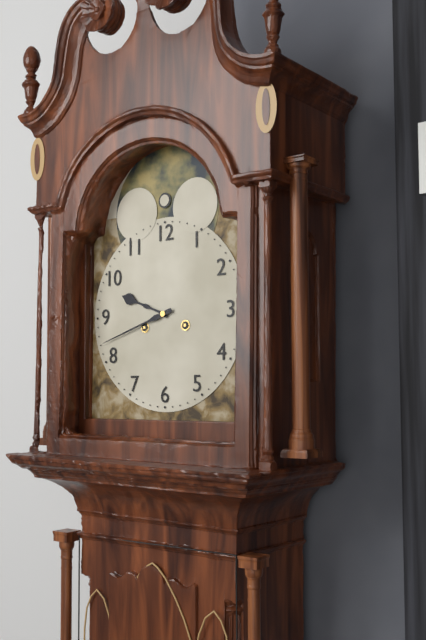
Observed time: 9h42
